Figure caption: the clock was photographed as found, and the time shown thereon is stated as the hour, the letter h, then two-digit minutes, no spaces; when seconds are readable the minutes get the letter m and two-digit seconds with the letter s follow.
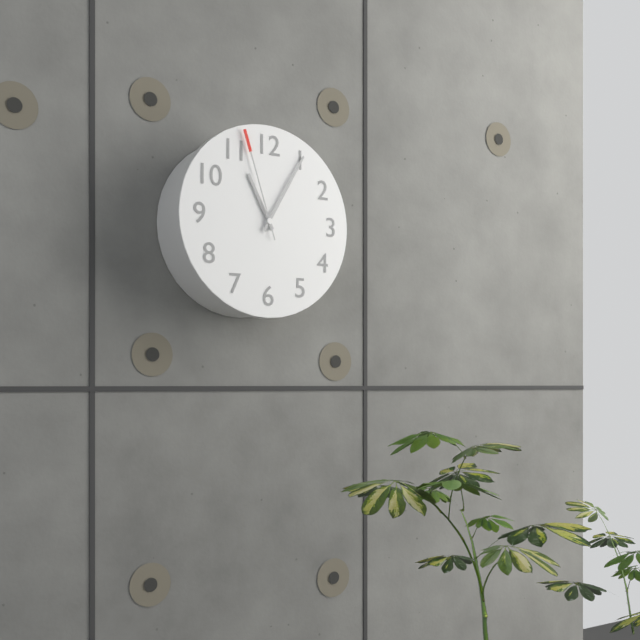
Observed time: 11h05m57s
